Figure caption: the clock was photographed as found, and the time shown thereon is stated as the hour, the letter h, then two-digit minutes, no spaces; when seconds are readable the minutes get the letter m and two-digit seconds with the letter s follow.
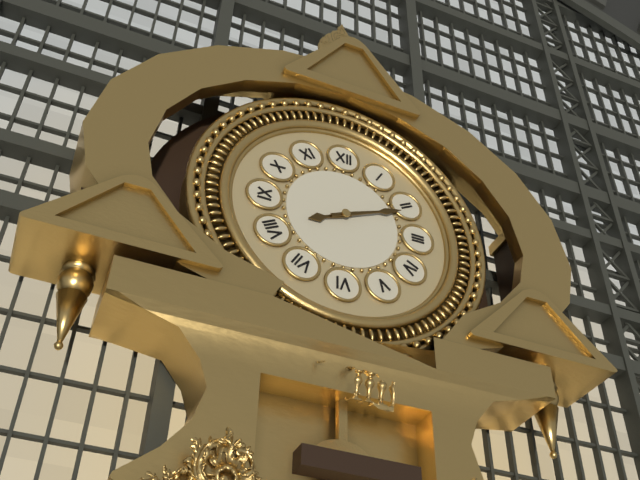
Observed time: 8h11
